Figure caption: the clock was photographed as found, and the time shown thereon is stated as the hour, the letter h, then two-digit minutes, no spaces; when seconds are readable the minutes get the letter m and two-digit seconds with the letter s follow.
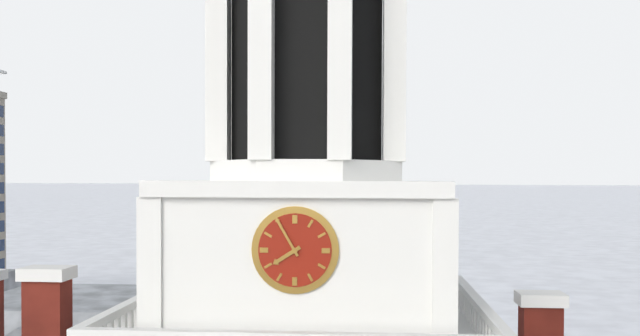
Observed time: 7h55
